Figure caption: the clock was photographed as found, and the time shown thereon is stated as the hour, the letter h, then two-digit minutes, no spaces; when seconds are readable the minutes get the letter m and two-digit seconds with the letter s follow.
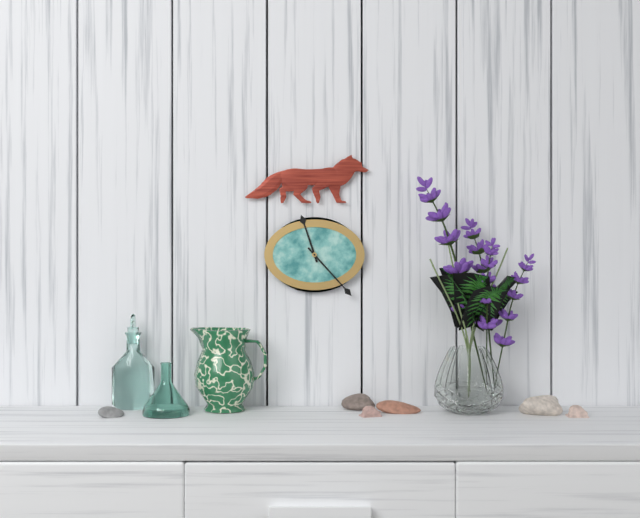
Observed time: 11h23
